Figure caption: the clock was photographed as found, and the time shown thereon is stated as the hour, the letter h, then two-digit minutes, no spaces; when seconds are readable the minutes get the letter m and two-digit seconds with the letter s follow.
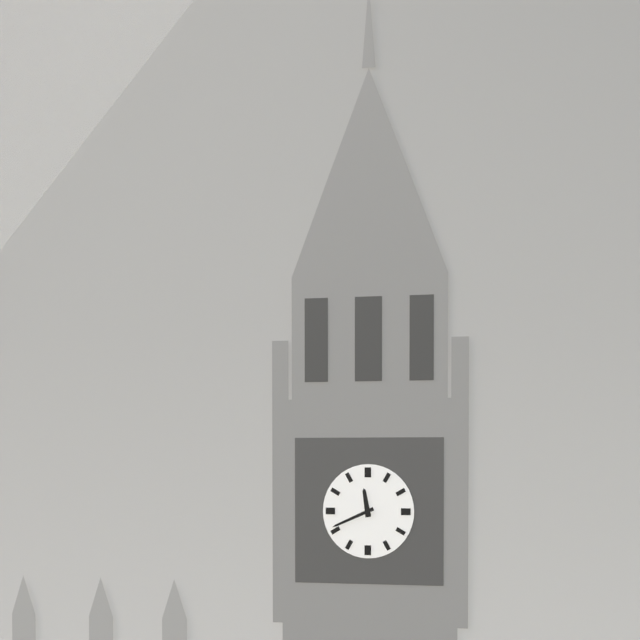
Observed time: 11h41
